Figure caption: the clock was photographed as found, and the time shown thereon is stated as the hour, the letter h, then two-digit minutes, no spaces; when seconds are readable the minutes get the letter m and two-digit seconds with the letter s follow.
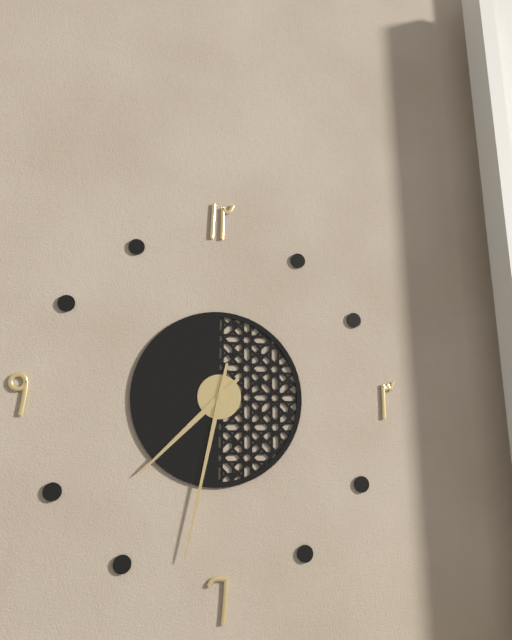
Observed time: 7h32
